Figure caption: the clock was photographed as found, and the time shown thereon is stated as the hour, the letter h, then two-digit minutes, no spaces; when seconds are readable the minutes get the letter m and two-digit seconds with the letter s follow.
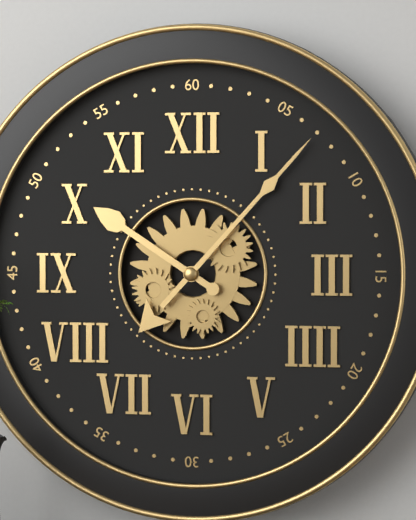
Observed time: 10h07
